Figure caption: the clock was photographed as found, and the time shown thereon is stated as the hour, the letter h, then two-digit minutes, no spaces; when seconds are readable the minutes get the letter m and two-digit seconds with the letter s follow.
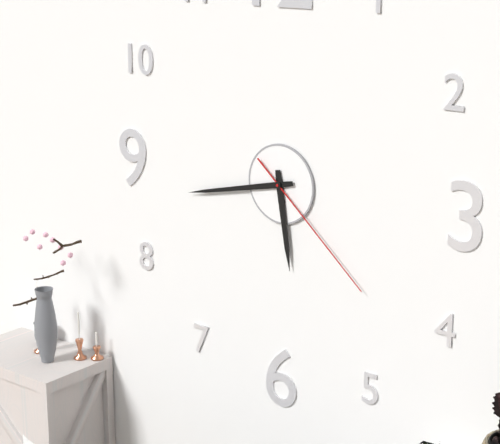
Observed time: 5h43m22s
